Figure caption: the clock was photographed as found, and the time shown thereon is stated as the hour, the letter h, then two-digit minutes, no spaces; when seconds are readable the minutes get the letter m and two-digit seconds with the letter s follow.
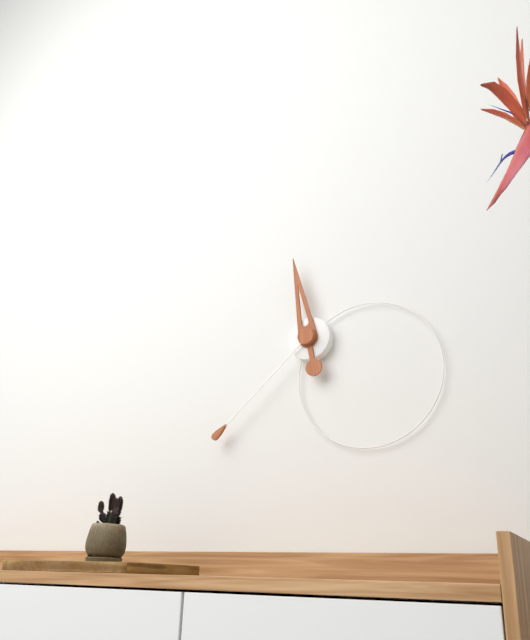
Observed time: 11h38
